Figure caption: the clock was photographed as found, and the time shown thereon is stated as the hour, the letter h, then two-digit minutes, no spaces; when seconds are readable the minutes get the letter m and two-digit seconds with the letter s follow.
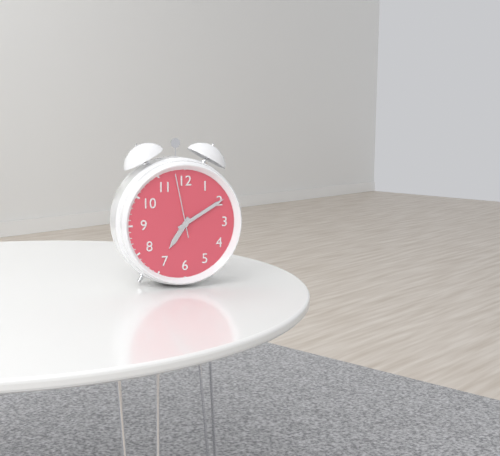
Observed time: 7h10m58s
